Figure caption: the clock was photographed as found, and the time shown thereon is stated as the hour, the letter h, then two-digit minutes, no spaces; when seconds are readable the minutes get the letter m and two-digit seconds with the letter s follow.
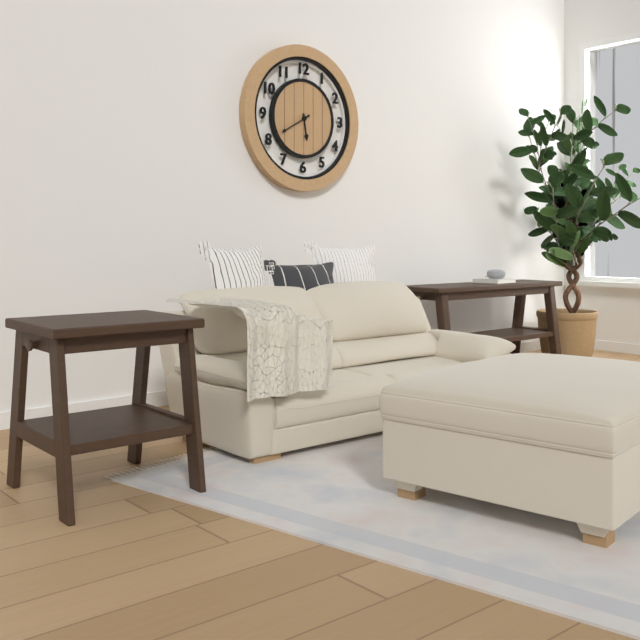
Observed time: 5h40
